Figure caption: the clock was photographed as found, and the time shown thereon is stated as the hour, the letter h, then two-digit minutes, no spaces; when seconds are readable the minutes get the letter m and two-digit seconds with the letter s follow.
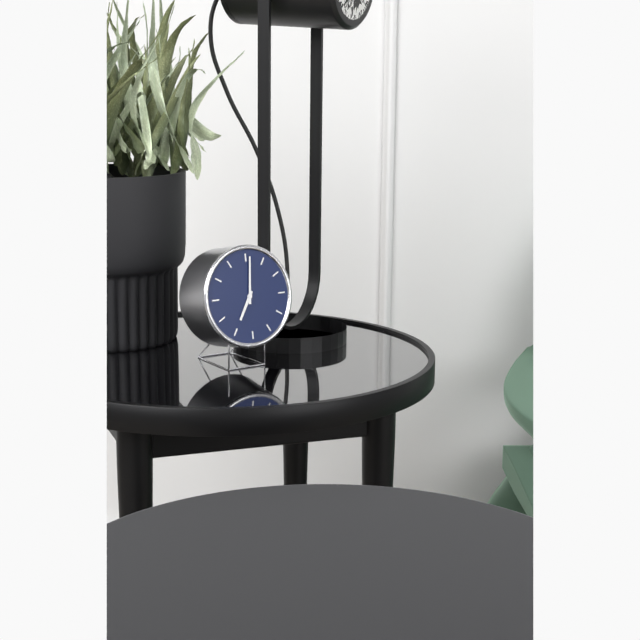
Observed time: 7h01
